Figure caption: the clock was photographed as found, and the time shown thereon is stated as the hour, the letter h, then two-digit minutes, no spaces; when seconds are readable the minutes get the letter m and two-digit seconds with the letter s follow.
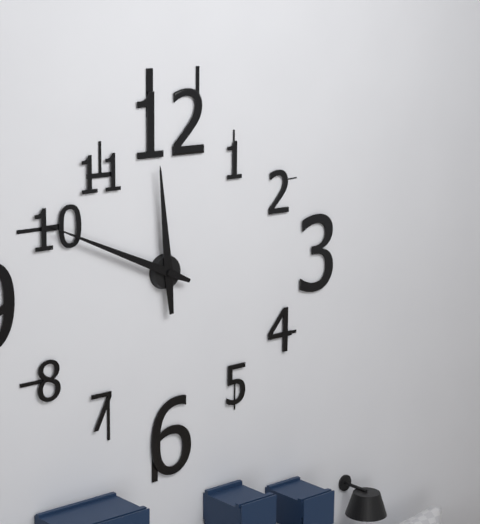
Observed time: 11h49
